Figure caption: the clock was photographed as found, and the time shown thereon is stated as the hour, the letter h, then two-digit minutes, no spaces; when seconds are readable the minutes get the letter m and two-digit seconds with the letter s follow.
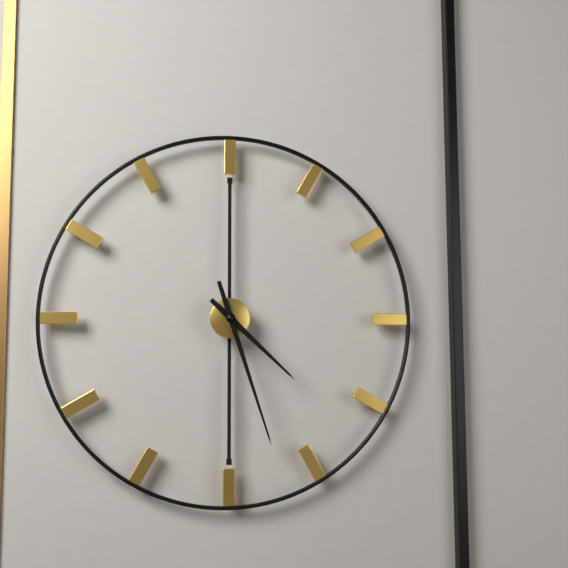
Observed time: 4h27
